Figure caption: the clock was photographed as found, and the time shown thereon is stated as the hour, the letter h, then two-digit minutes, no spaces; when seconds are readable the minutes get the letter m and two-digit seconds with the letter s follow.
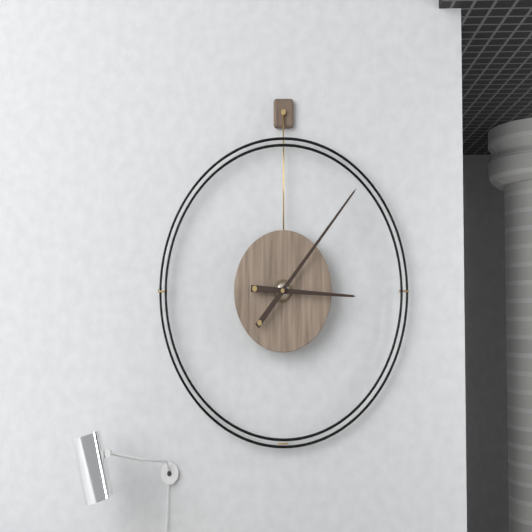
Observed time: 3h07
